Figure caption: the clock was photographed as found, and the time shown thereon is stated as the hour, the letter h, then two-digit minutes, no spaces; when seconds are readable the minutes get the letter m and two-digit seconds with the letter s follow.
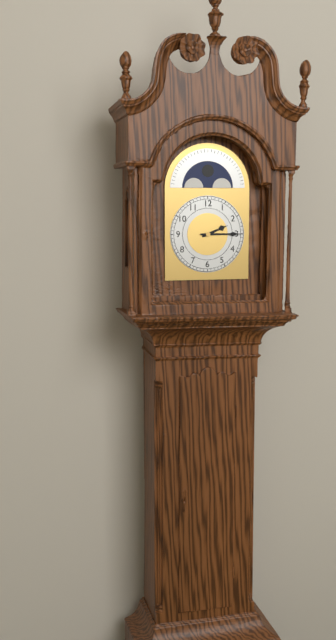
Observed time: 2h15
